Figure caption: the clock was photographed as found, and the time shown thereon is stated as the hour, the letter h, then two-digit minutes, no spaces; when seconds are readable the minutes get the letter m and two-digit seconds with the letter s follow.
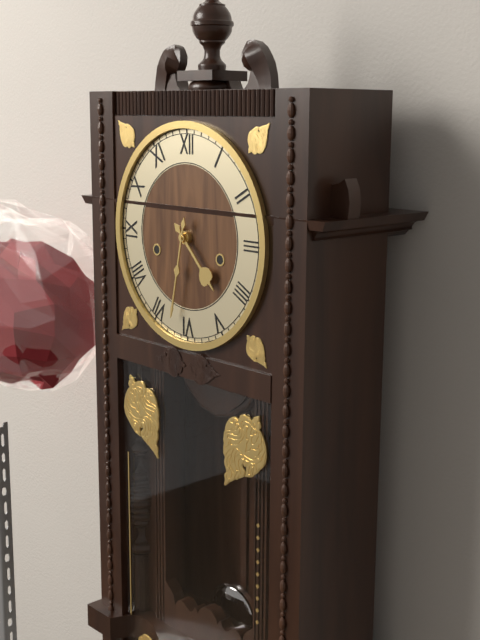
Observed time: 4h32
